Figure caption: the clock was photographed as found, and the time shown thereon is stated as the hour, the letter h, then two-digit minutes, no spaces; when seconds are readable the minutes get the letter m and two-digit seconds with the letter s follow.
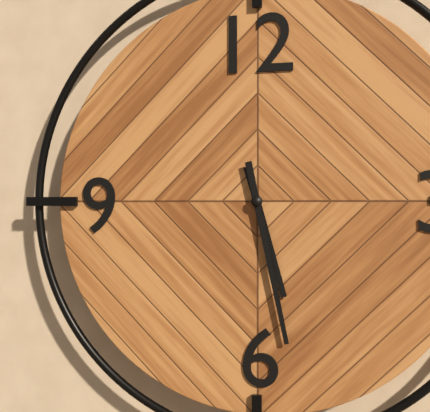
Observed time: 5h28
